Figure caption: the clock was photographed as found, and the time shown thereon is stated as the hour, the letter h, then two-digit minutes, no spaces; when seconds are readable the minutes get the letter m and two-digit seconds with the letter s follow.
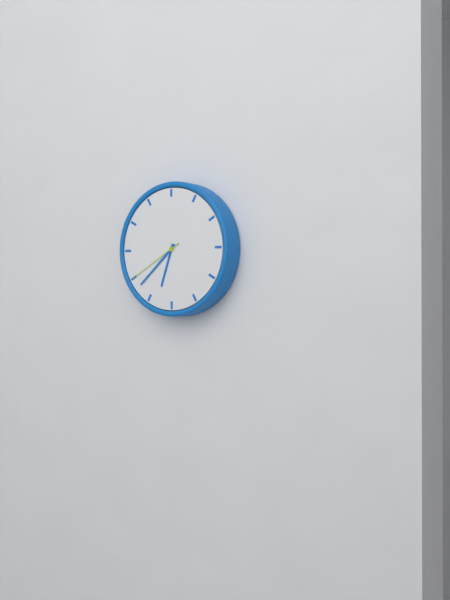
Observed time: 6h38m40s
